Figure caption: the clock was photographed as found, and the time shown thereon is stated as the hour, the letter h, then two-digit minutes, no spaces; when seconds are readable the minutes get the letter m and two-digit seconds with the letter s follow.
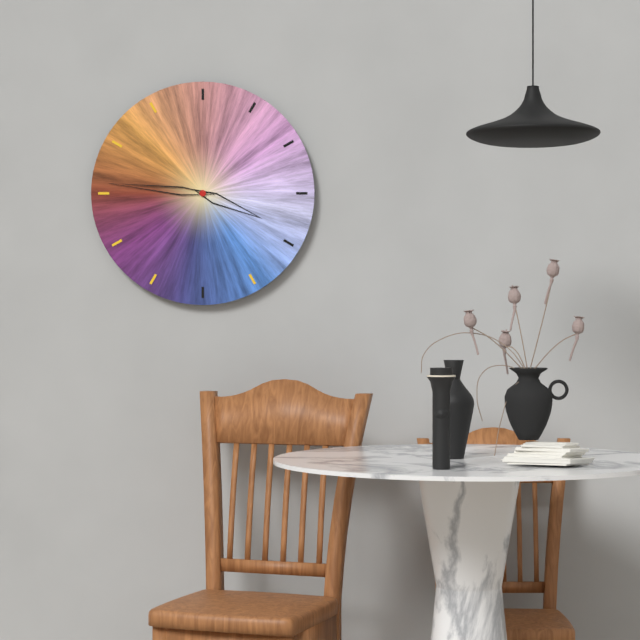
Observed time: 3h46
